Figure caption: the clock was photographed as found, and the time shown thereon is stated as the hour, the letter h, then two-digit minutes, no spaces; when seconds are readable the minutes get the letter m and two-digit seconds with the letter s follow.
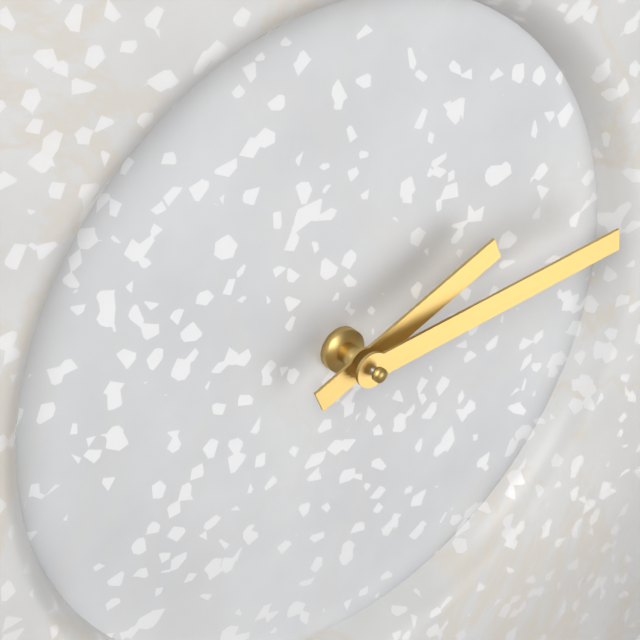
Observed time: 2h14
